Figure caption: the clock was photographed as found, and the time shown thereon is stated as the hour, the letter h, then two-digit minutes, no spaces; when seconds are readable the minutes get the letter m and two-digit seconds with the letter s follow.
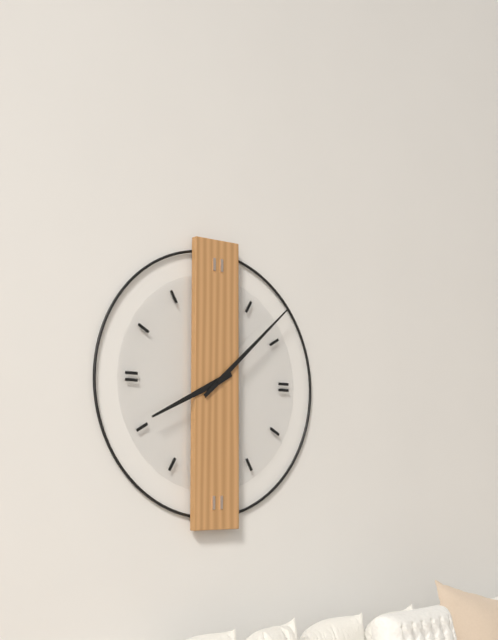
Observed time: 8h08
